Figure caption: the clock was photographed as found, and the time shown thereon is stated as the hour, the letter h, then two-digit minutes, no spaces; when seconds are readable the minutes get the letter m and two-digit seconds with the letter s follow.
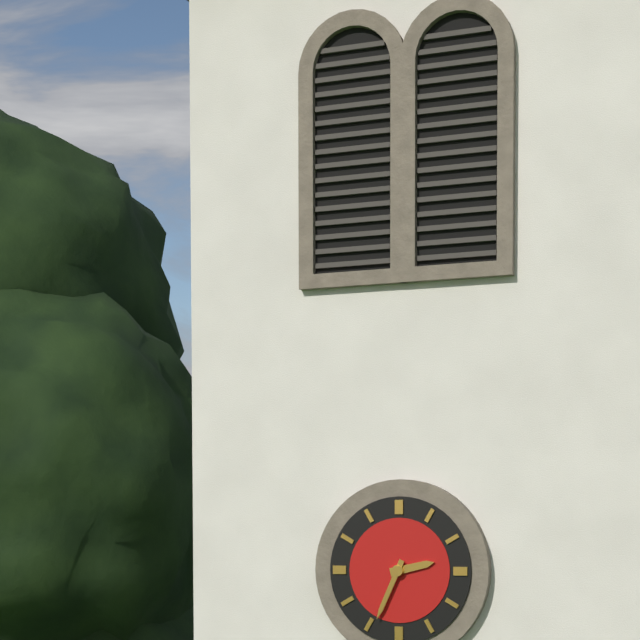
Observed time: 2h34
